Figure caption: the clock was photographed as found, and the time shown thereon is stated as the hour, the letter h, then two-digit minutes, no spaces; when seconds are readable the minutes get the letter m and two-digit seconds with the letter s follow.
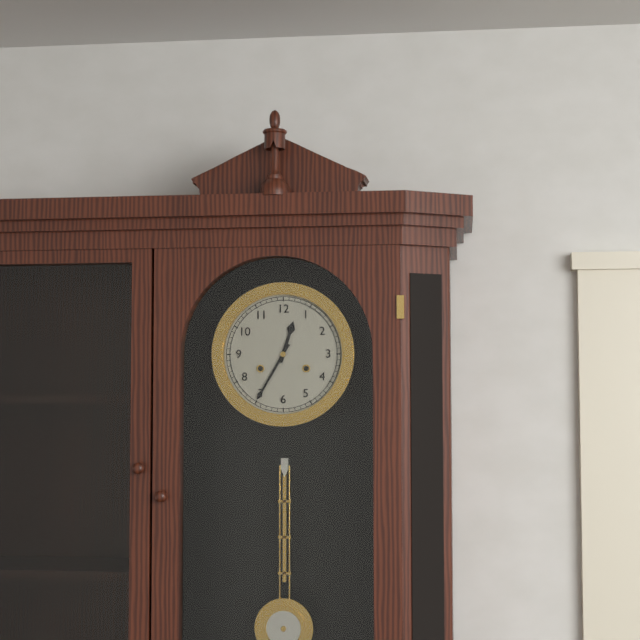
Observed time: 12h35
